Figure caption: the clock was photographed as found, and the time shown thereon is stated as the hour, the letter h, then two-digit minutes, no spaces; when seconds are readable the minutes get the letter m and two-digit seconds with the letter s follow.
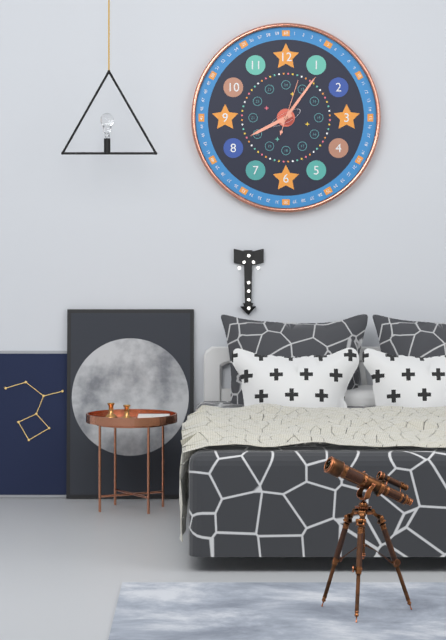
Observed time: 8h06m03s
